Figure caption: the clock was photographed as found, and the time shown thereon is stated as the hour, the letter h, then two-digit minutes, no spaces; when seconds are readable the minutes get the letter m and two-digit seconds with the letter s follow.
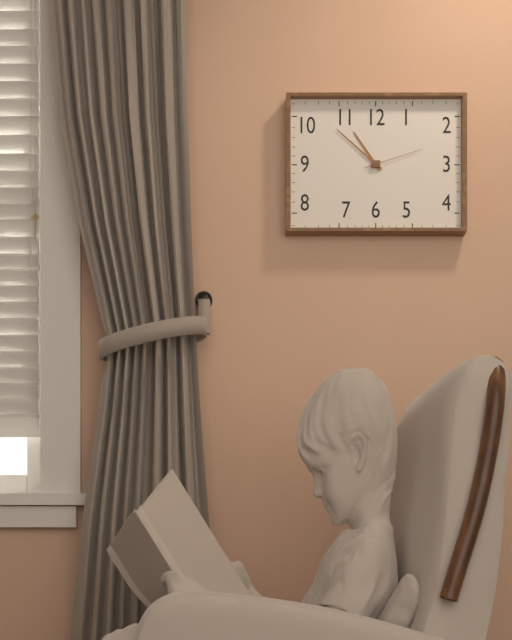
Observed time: 10h52m12s
